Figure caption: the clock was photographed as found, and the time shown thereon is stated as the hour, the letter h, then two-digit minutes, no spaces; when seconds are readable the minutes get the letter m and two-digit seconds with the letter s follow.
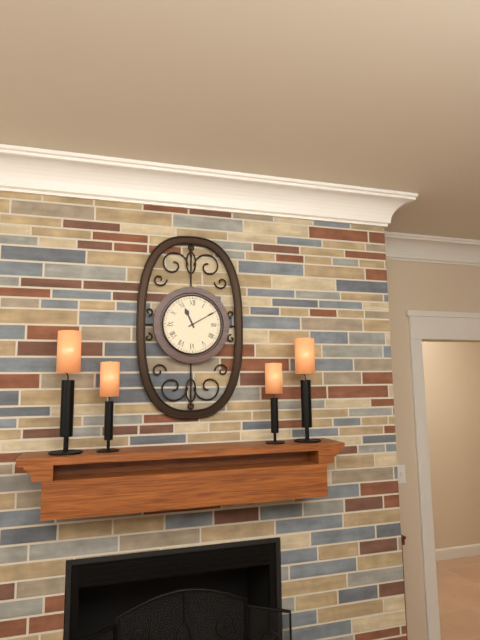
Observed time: 11h10
